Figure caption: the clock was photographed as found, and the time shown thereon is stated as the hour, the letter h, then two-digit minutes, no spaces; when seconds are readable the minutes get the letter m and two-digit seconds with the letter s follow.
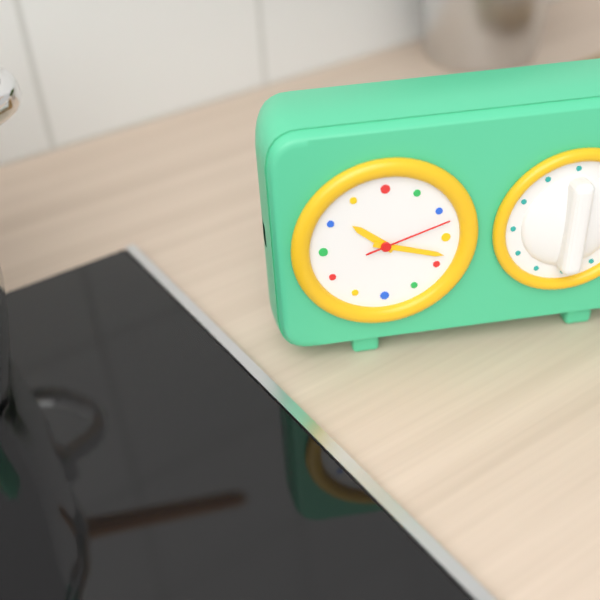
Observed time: 10h18m12s
